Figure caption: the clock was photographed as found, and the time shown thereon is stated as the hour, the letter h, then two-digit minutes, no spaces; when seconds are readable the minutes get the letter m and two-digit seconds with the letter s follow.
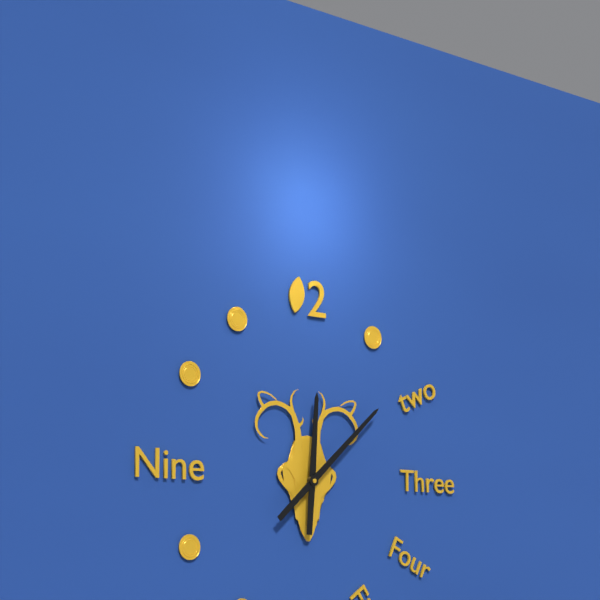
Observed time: 12h08
